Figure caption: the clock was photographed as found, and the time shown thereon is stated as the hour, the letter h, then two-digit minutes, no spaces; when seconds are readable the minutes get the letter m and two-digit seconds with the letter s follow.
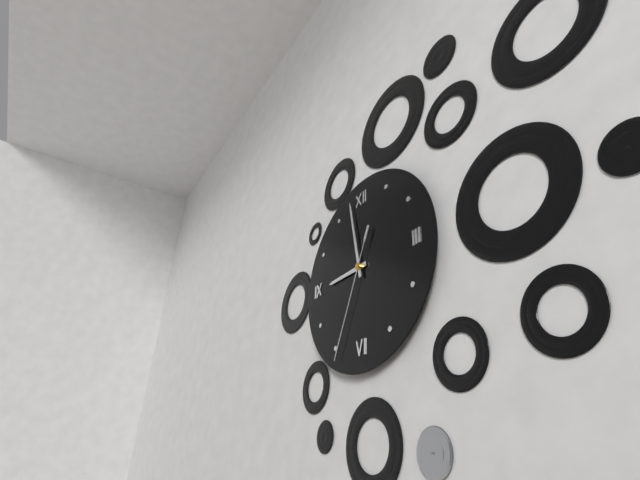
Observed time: 8h58m34s
